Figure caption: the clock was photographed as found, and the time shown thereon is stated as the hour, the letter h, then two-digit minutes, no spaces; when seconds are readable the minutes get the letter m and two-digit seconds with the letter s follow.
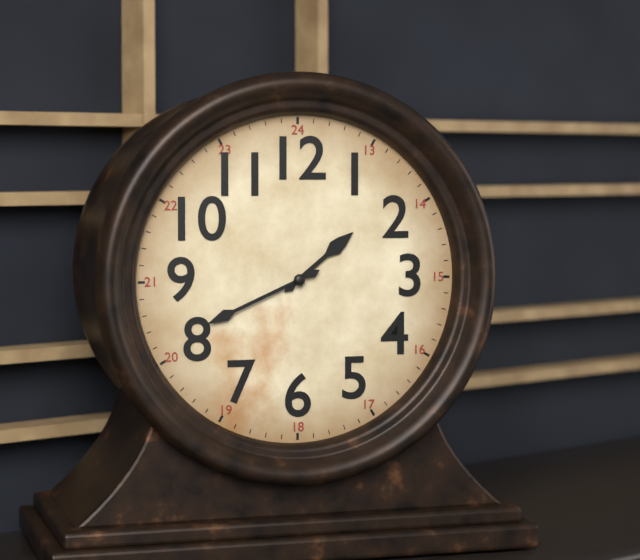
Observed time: 1h41
